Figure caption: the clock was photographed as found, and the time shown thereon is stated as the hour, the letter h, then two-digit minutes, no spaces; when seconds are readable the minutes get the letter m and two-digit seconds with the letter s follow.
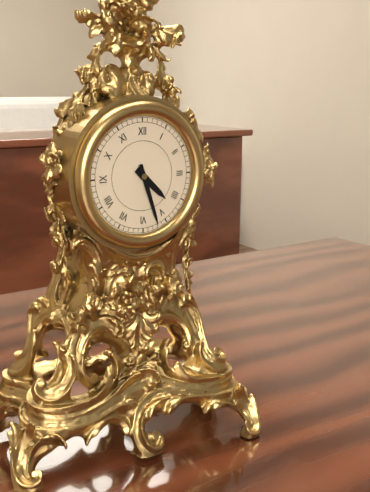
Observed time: 4h27
